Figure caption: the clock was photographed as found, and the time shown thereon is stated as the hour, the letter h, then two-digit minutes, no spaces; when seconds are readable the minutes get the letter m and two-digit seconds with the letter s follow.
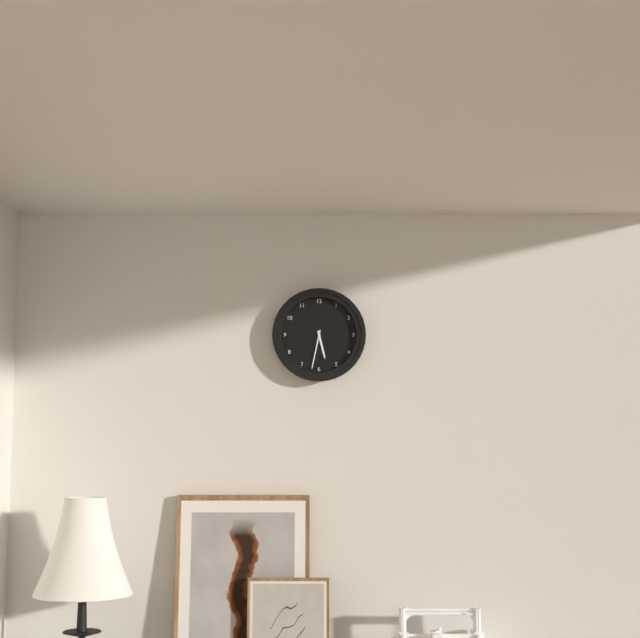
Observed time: 5h32
